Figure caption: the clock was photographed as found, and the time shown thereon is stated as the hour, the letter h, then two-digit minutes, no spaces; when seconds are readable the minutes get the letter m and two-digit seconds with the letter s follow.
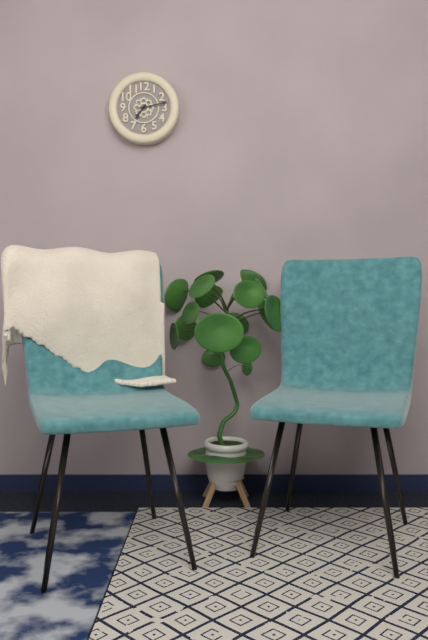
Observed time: 7h13
